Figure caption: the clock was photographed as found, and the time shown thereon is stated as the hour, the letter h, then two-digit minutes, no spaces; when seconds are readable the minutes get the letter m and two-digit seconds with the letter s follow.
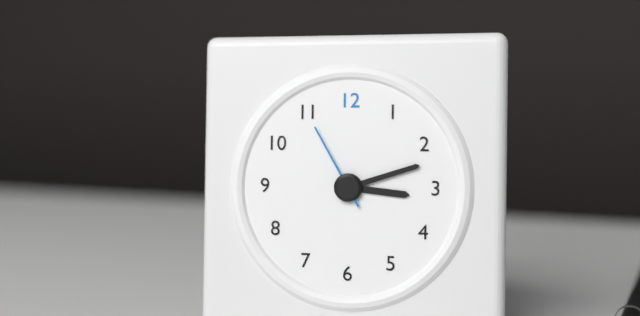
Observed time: 3h12m55s
